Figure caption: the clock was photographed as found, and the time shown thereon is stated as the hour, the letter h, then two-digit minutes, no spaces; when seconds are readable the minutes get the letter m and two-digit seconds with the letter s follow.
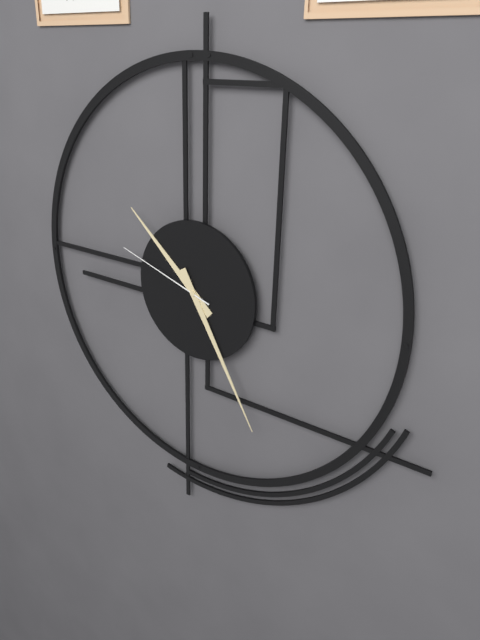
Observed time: 10h25m48s
